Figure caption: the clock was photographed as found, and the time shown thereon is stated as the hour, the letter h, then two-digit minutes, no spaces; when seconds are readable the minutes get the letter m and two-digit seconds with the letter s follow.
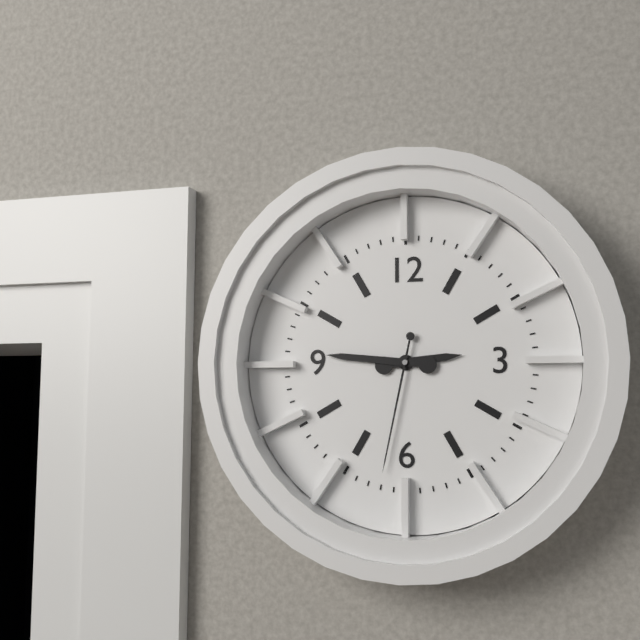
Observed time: 2h46m32s
